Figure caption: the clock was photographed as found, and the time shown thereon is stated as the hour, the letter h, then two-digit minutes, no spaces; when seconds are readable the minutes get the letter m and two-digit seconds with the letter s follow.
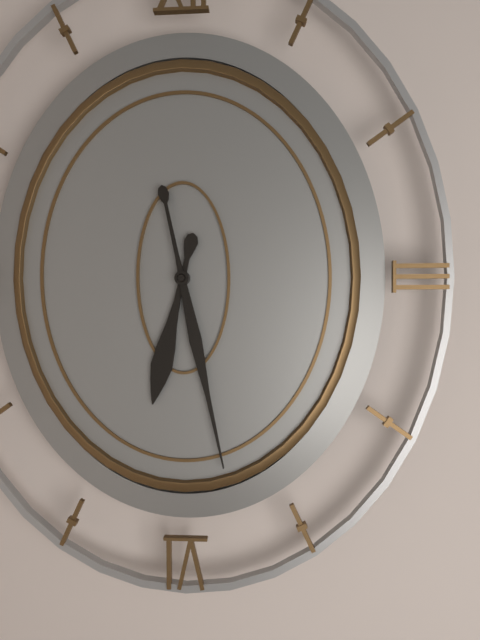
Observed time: 6h28
